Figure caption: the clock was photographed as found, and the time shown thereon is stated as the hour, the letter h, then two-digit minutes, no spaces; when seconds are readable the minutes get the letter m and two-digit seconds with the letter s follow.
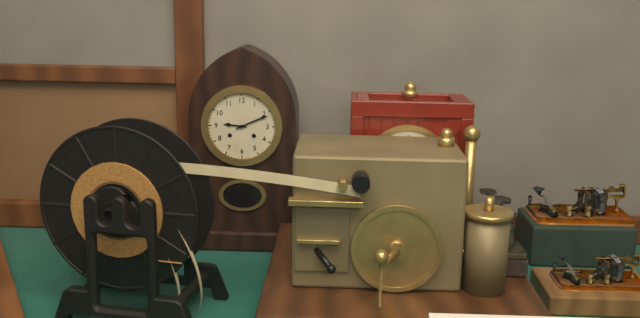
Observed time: 9h11
